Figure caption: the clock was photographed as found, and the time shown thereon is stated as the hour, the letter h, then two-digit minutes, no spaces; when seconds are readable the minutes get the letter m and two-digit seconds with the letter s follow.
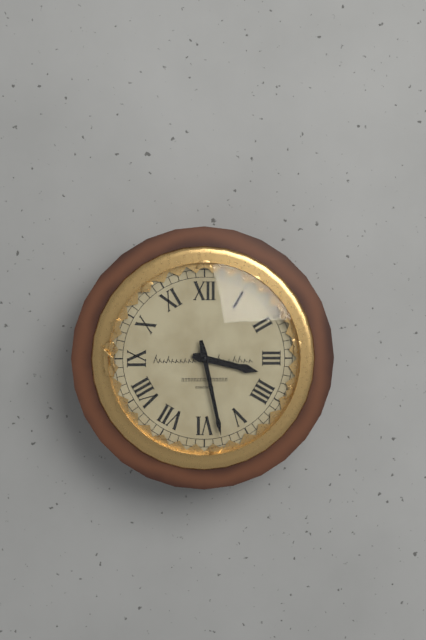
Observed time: 3h28
